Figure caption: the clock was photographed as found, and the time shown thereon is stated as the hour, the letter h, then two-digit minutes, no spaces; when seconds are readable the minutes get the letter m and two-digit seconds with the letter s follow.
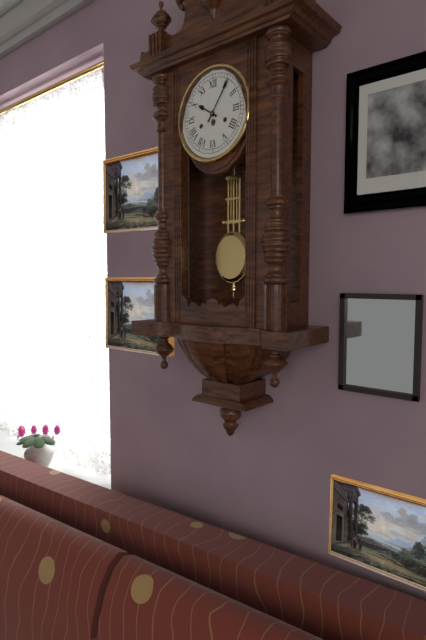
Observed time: 10h06
